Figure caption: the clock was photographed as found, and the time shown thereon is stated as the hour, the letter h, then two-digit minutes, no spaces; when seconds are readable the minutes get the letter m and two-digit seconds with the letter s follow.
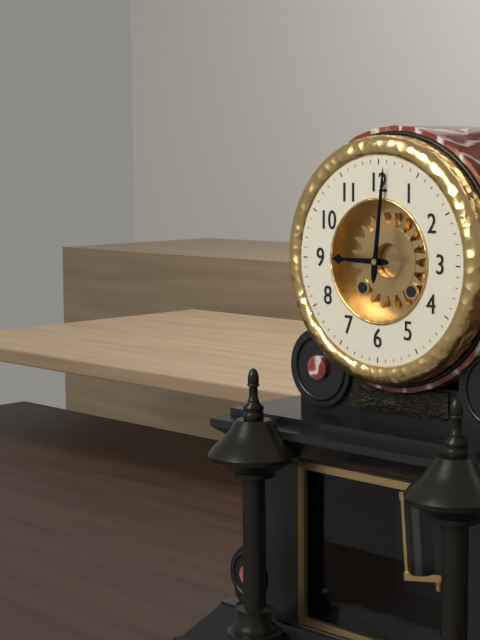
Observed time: 9h01
